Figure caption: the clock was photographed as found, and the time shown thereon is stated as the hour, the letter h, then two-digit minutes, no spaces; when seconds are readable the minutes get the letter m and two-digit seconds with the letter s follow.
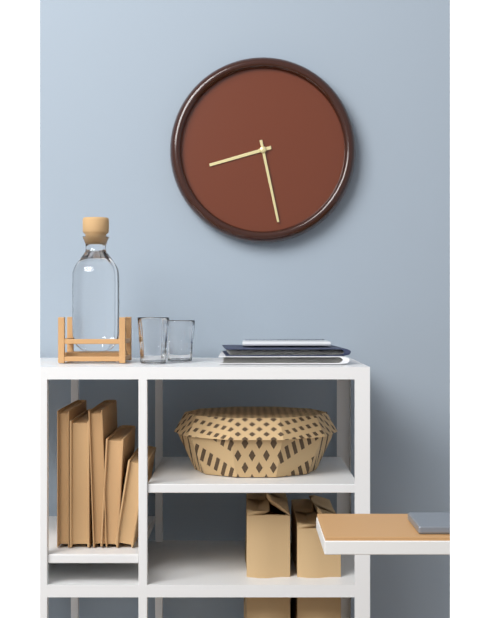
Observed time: 8h28
